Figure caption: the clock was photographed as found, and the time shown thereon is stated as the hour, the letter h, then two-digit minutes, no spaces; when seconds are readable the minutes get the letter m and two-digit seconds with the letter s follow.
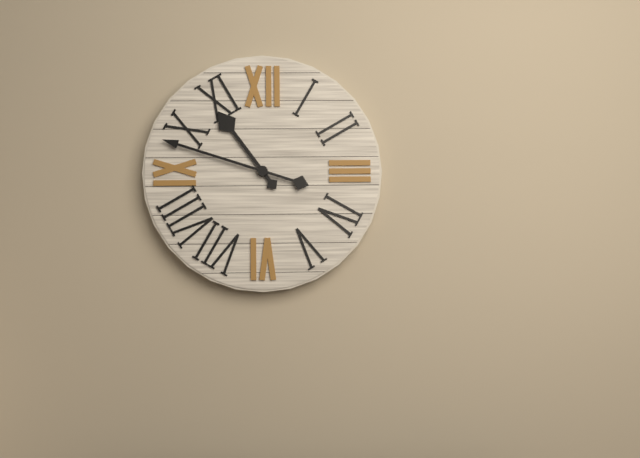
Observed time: 10h48
